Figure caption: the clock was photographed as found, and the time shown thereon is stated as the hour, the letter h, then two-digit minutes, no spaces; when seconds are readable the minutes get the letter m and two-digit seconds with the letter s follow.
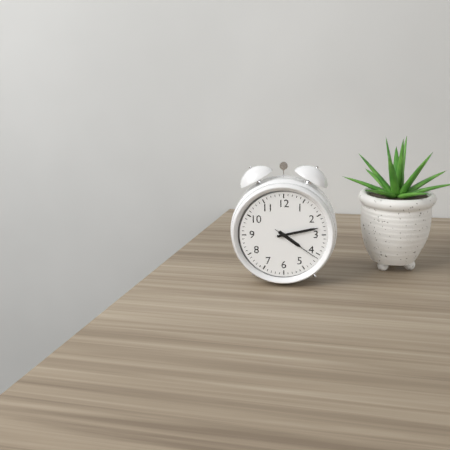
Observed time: 4h13
